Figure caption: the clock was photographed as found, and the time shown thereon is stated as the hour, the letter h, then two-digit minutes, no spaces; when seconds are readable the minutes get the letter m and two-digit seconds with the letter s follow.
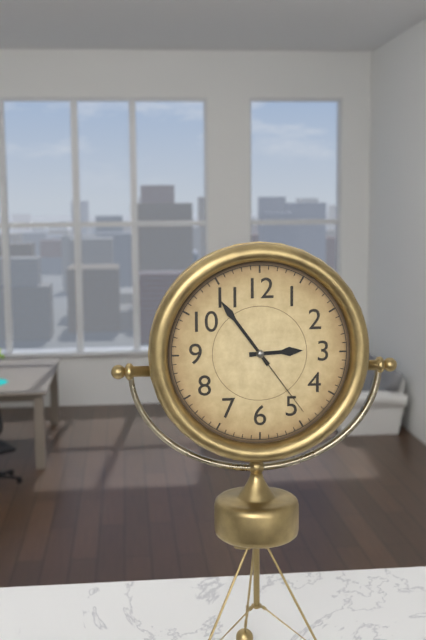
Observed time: 2h54m24s
